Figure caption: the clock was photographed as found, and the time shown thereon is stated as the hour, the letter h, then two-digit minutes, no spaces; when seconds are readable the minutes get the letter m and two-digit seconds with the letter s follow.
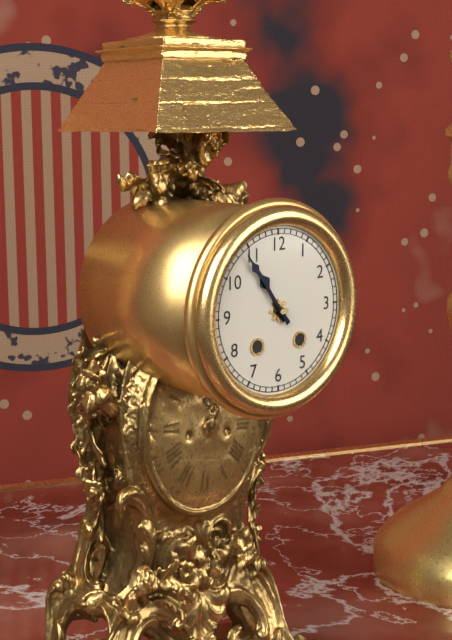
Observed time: 10h54
